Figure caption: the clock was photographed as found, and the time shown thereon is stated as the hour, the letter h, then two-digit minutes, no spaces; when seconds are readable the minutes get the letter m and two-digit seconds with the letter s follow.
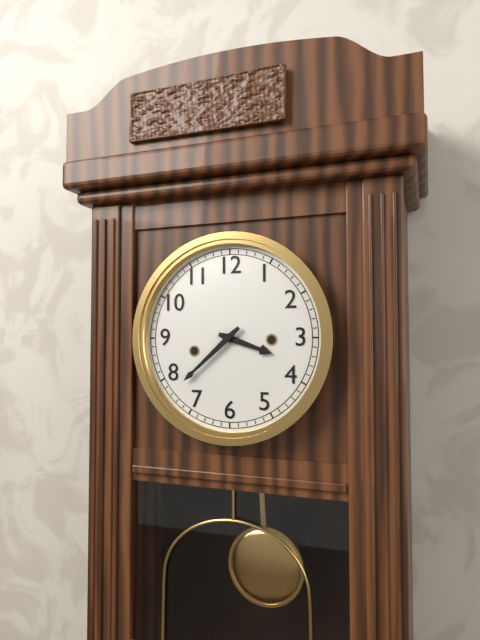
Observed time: 3h38
